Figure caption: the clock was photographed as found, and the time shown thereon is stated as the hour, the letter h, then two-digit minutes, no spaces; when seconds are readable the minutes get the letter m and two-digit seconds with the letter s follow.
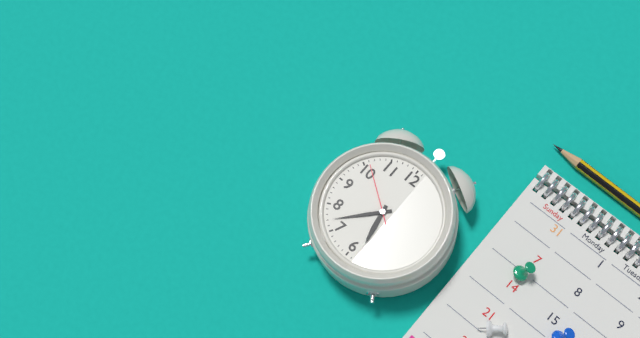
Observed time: 5h37m51s
